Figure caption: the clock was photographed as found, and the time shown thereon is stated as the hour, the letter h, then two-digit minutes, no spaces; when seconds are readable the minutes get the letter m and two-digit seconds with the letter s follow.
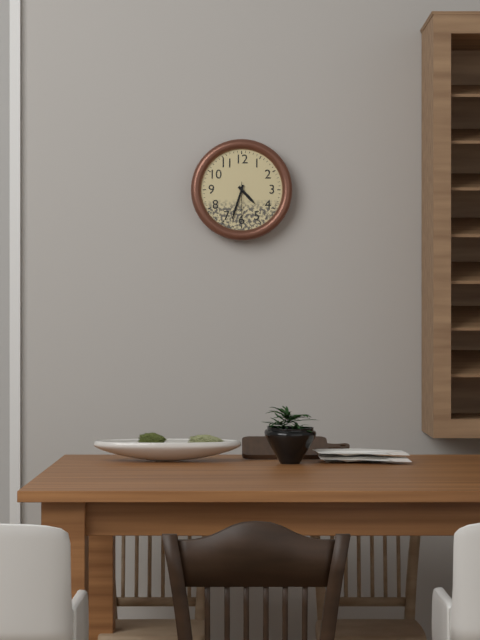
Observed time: 4h33
